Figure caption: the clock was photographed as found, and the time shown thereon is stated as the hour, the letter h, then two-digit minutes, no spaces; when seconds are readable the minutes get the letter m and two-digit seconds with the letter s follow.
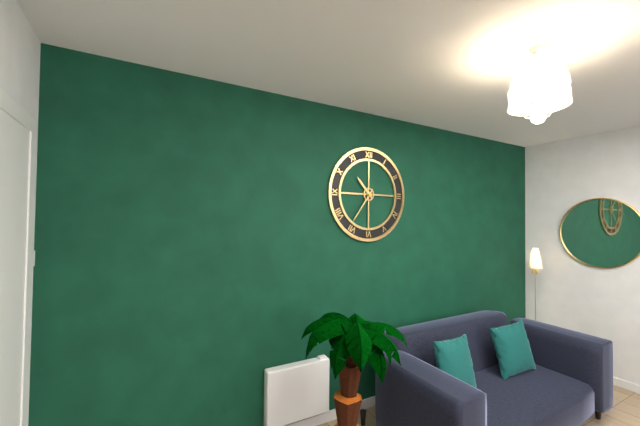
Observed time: 10h36
